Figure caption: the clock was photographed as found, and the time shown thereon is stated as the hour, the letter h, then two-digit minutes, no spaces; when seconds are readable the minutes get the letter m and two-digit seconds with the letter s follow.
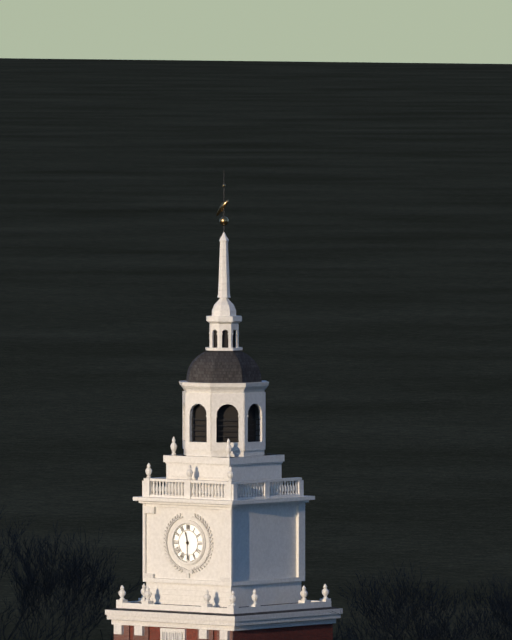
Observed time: 11h30
